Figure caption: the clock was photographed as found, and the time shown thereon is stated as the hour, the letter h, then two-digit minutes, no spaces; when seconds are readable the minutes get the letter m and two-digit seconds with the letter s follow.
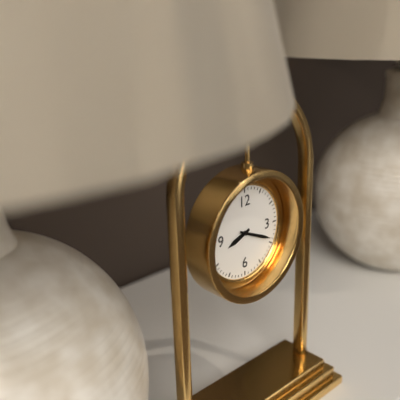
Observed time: 8h19
